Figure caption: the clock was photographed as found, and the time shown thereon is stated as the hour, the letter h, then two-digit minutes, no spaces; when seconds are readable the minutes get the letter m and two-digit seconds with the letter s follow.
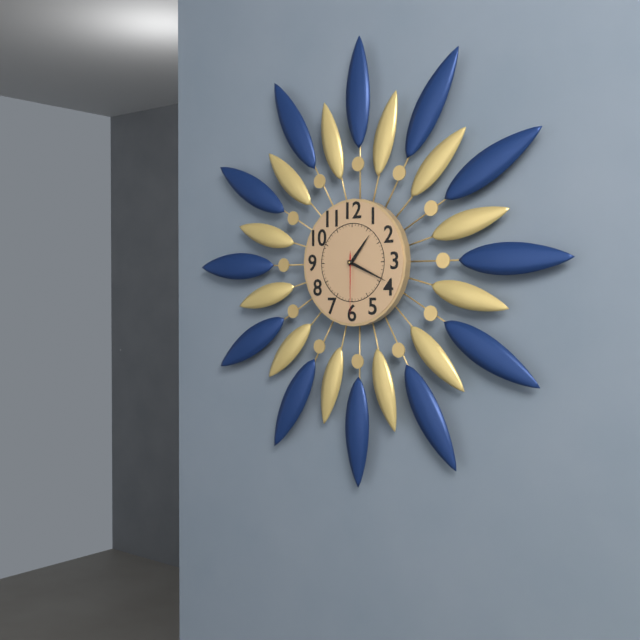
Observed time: 1h19m30s
